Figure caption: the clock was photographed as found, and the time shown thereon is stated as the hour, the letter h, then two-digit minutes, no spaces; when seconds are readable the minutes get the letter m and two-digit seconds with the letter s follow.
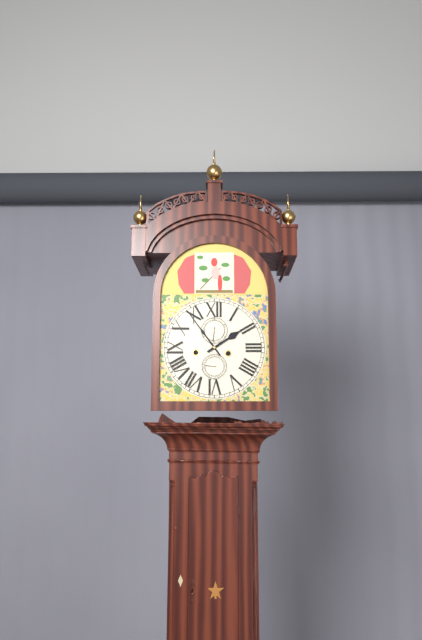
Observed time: 1h54
